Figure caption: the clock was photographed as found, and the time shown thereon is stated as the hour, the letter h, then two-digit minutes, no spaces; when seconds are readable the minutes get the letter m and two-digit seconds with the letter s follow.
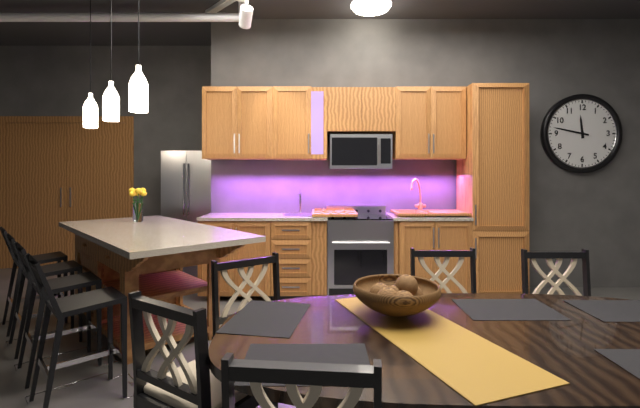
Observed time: 11h47
